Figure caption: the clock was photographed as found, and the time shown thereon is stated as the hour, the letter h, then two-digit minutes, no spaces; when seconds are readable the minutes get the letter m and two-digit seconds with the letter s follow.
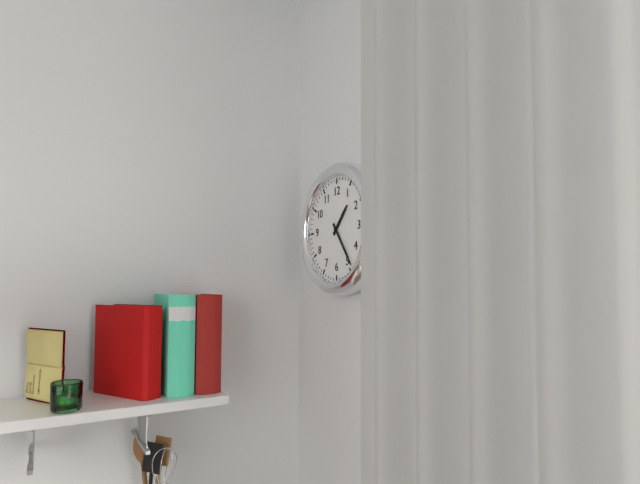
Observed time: 1h24
